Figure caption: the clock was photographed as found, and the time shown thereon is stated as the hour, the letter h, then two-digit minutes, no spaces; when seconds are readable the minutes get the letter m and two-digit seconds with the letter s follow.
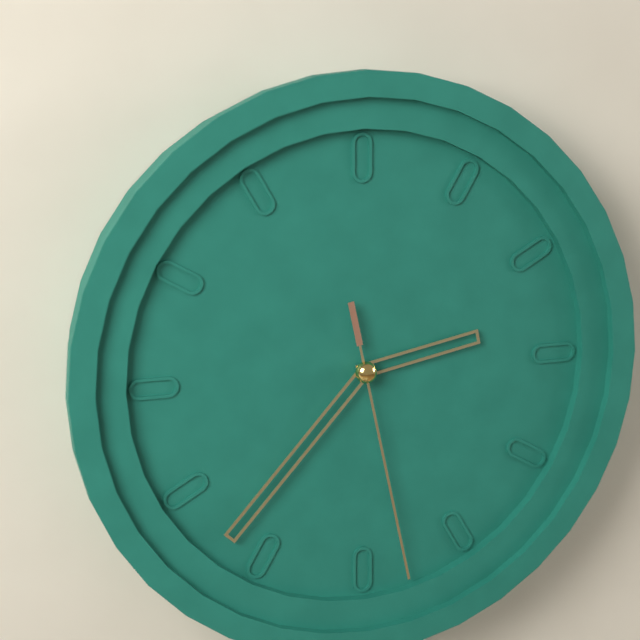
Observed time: 2h37m28s
